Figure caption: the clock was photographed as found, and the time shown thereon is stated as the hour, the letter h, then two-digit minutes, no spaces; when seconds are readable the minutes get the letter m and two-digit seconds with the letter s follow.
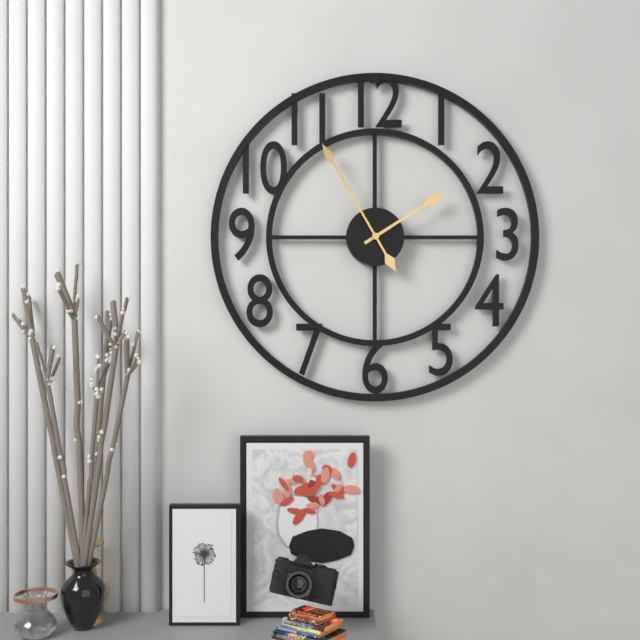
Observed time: 1h55
